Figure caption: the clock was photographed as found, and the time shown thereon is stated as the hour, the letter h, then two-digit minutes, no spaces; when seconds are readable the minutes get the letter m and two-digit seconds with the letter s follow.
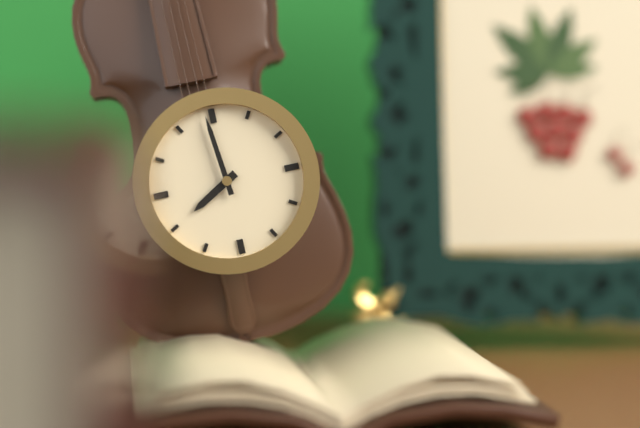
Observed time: 7h59
